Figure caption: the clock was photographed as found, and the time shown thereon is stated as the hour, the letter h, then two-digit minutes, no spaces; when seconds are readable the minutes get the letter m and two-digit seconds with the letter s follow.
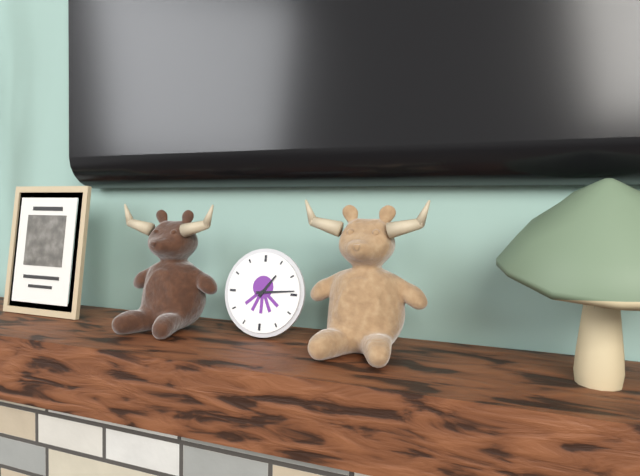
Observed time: 1h14
